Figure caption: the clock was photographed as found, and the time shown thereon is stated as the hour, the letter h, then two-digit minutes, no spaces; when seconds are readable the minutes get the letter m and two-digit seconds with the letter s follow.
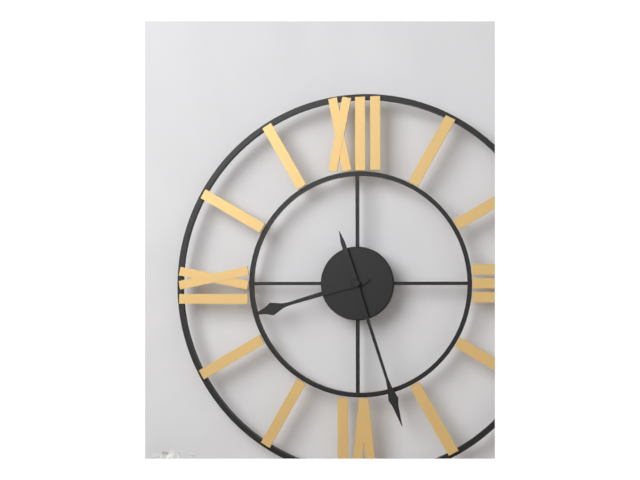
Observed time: 8h27
